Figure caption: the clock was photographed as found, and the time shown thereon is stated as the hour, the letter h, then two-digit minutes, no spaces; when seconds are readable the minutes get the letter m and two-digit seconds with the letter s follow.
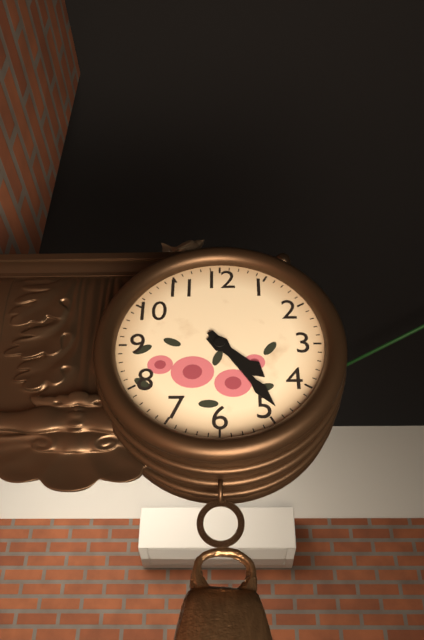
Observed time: 4h24
